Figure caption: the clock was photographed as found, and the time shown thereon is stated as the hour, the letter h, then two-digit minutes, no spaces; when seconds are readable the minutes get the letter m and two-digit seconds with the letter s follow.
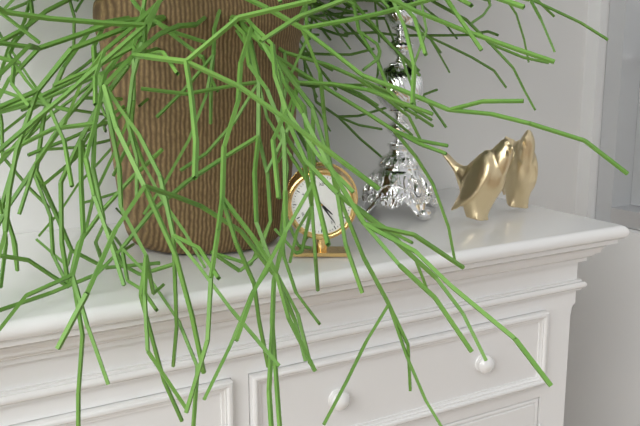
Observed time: 4h24
